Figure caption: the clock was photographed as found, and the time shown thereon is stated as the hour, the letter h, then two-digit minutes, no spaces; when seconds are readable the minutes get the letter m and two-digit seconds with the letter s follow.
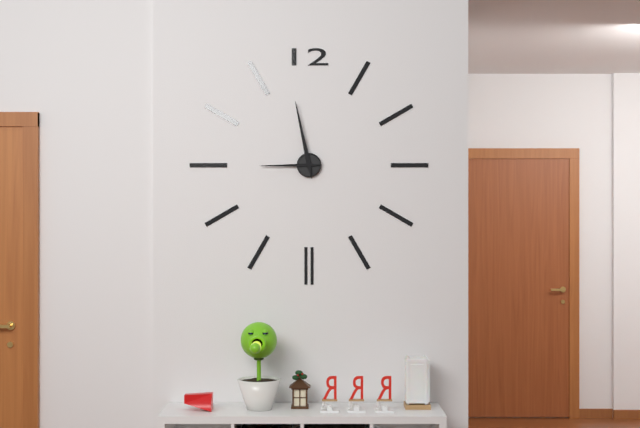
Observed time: 8h58
